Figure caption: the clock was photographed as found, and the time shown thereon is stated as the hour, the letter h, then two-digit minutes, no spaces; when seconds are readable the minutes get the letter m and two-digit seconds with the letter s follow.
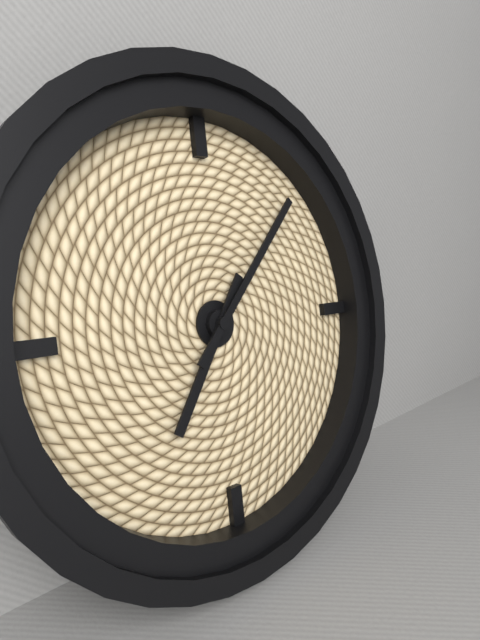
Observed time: 7h07
